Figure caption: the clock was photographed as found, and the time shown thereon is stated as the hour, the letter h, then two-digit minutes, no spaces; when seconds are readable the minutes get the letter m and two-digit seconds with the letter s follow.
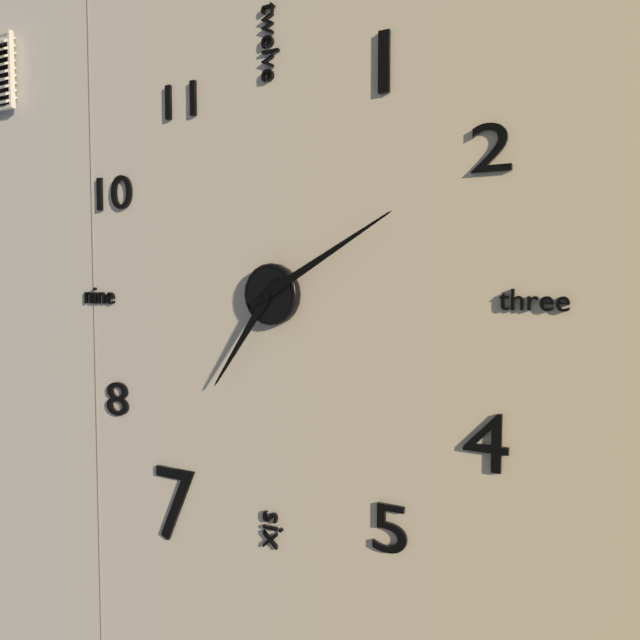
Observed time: 7h10
